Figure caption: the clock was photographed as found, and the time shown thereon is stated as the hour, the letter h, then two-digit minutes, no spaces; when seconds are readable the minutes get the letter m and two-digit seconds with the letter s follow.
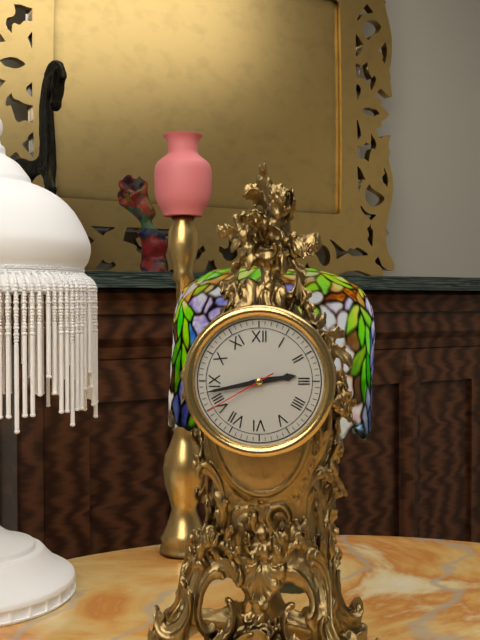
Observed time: 2h43m40s
